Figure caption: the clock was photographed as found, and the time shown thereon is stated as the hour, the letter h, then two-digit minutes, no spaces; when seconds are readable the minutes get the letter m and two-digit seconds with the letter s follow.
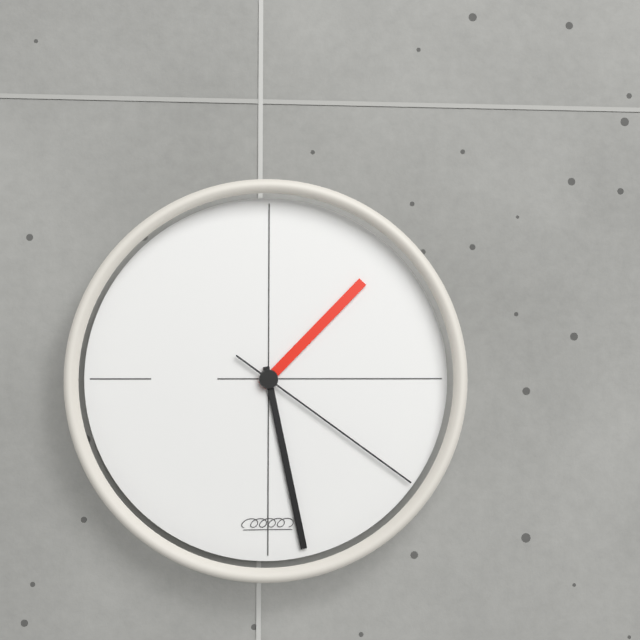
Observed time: 1h28m21s
